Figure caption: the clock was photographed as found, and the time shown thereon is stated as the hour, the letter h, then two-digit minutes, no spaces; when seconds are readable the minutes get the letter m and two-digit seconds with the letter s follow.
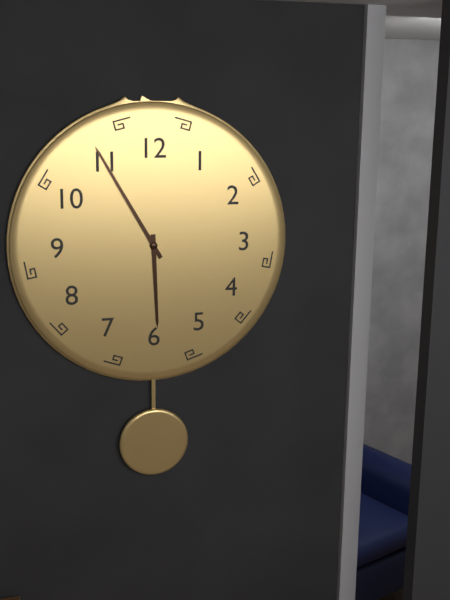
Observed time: 5h55
